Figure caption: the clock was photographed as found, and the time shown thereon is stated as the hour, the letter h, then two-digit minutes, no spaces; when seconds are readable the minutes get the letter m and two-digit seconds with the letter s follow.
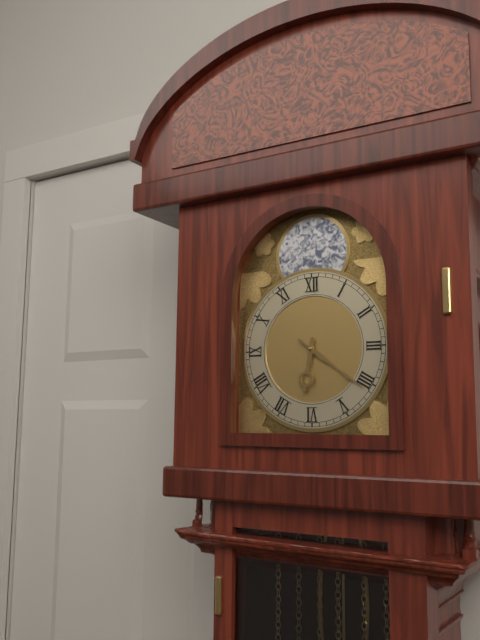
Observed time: 6h21
